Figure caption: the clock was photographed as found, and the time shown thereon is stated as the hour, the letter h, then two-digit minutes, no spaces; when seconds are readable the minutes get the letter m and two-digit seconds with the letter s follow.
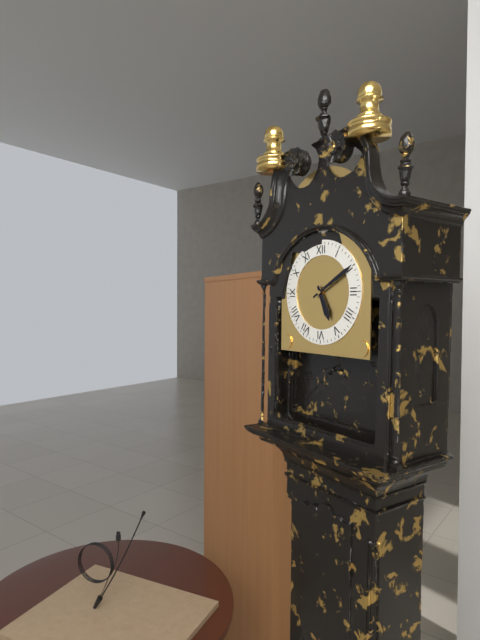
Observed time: 5h10
